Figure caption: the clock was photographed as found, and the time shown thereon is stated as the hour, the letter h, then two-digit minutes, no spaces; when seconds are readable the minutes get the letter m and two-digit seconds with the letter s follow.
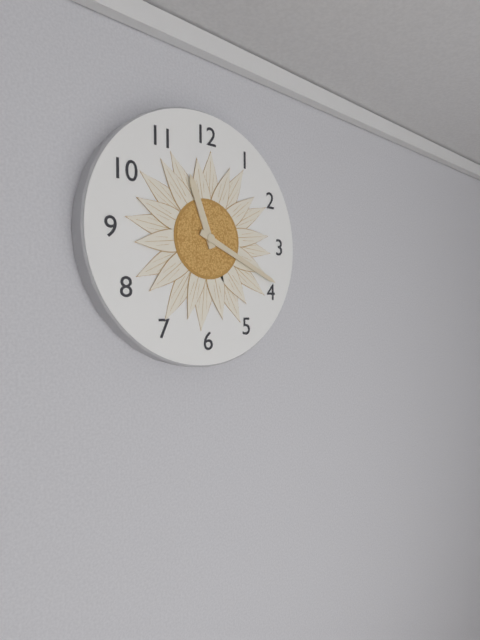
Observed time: 11h19
